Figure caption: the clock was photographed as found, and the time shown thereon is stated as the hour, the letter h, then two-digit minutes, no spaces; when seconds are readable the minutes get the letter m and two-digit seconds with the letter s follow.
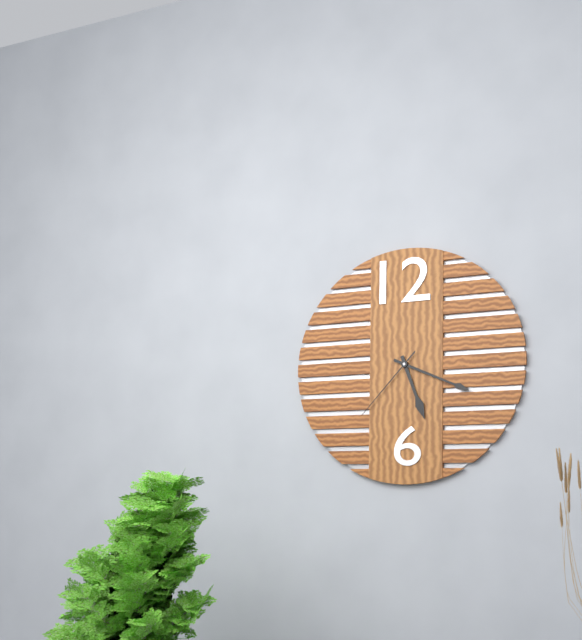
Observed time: 5h19m37s
